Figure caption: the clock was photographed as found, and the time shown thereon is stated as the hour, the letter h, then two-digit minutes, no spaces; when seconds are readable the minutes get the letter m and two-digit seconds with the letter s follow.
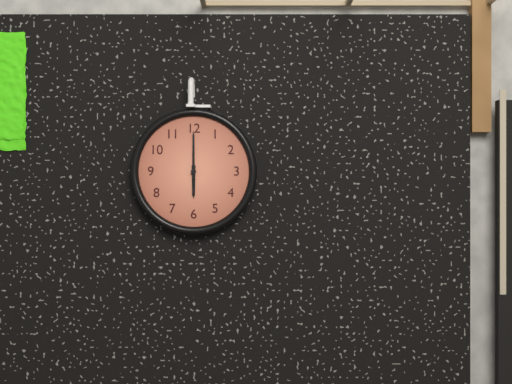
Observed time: 6h00
